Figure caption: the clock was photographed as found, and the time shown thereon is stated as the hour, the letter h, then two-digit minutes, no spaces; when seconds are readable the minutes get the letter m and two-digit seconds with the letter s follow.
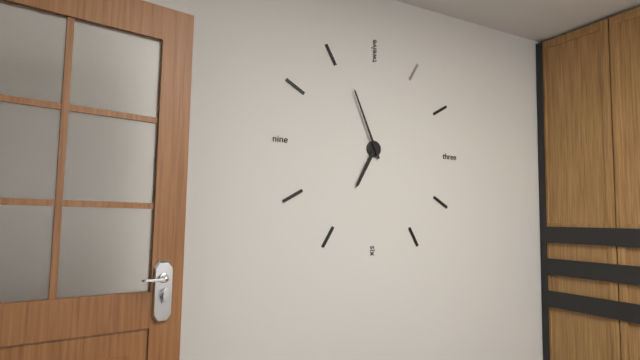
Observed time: 6h56
